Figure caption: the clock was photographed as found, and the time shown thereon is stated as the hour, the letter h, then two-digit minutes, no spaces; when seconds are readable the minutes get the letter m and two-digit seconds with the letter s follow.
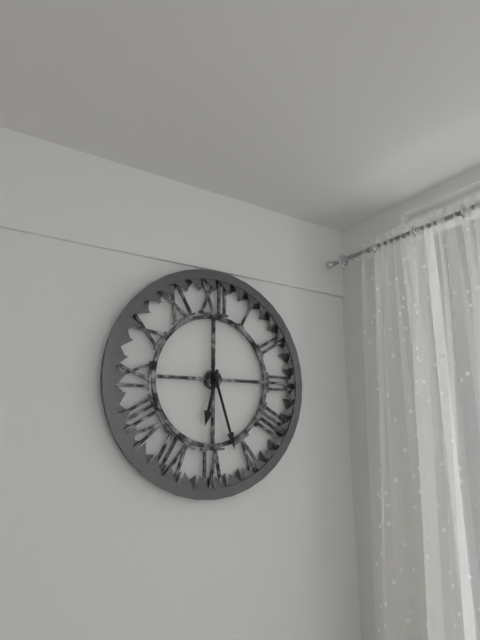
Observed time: 6h27
